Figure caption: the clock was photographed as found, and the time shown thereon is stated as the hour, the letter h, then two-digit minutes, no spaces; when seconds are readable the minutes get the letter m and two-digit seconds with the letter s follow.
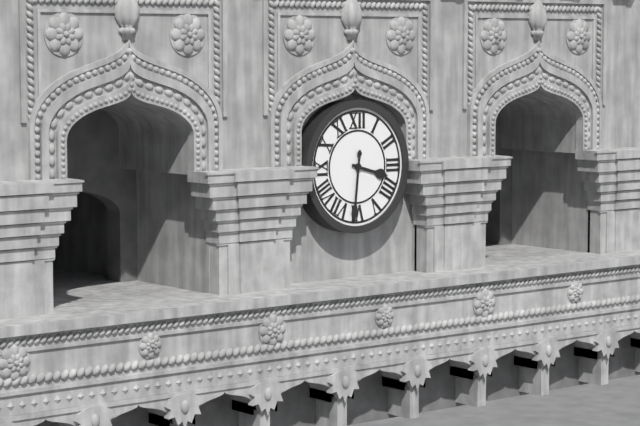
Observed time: 3h31
